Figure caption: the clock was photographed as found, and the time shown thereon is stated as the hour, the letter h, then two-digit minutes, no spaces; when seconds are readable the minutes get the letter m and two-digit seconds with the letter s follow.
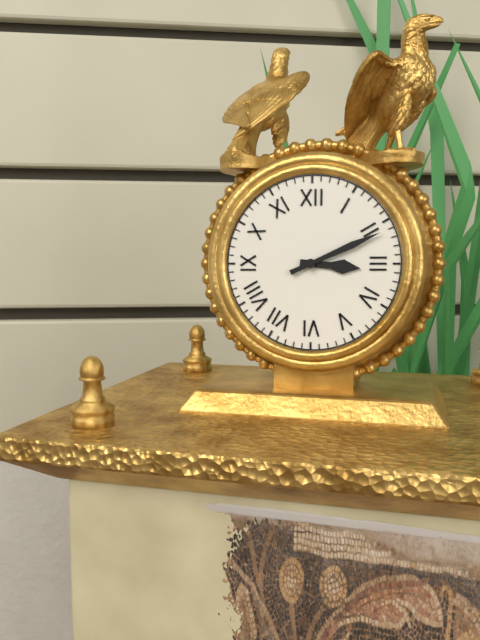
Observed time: 3h11
